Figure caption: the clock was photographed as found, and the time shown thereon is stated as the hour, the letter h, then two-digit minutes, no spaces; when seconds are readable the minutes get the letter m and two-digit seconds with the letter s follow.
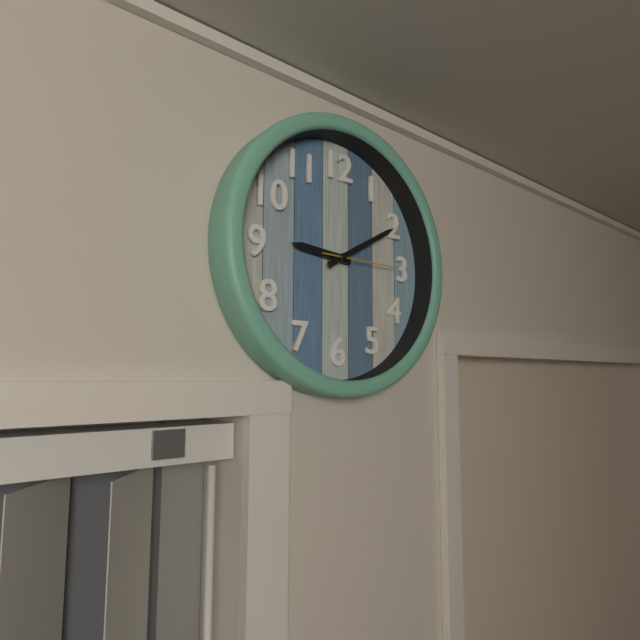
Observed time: 9h10m15s
